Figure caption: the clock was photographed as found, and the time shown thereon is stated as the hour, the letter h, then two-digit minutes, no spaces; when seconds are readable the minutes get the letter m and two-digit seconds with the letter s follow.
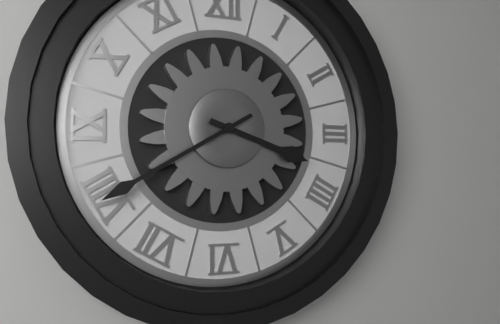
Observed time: 3h40
